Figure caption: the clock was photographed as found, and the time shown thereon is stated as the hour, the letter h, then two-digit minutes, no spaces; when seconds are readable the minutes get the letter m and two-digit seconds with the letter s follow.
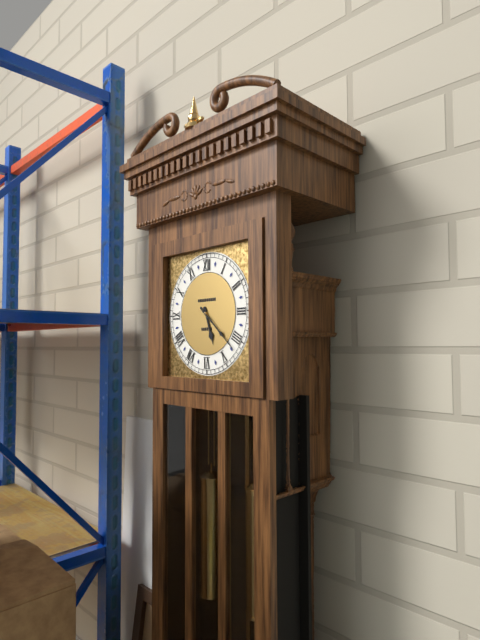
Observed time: 5h22
